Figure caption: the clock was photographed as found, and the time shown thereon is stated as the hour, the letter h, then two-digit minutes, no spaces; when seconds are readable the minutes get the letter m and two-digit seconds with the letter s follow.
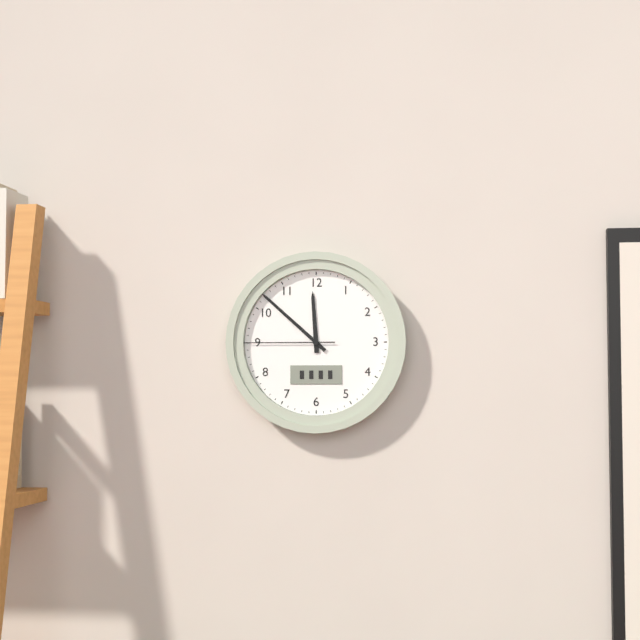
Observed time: 11h52m45s
